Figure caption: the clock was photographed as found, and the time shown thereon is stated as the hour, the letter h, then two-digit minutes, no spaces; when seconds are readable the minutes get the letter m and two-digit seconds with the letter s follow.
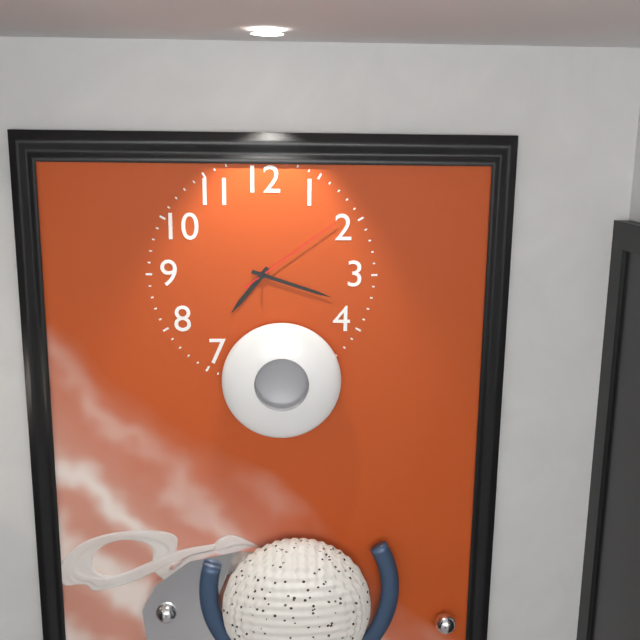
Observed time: 7h18m09s
